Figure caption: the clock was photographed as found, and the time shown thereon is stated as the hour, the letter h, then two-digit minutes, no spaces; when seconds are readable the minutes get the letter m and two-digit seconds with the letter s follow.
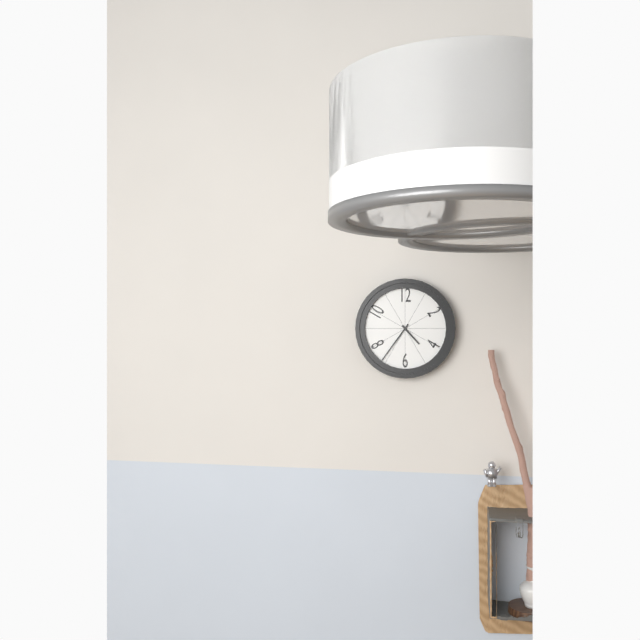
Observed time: 4h36
